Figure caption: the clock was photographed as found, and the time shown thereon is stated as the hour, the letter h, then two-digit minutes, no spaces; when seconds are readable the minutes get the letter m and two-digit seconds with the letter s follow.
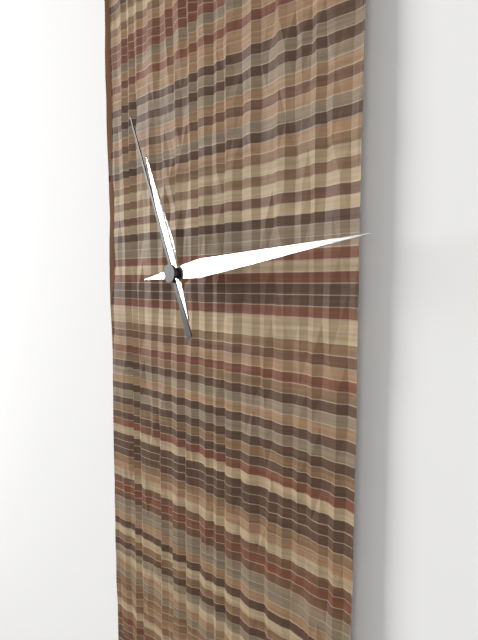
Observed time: 11h14m56s
